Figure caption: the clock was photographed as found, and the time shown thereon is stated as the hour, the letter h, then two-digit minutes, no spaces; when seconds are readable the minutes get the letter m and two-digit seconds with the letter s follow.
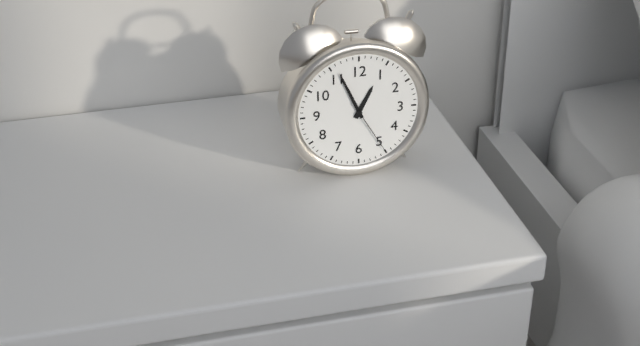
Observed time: 12h56m25s
